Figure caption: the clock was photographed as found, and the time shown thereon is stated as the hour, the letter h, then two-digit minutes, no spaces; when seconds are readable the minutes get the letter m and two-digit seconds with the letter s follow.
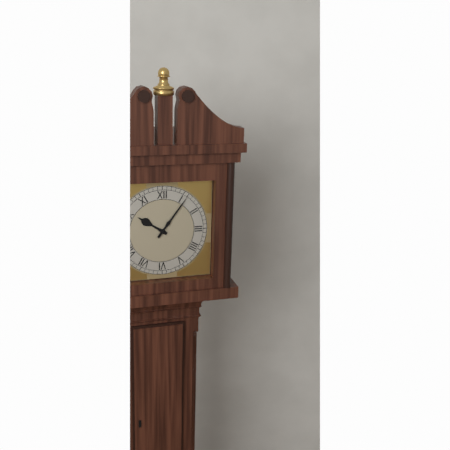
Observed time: 10h06
